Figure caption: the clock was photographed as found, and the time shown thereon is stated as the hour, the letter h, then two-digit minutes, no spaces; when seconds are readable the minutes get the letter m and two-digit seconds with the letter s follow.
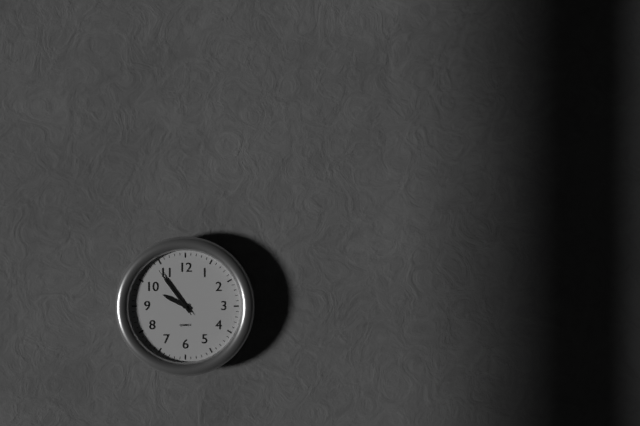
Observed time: 9h54m54s
